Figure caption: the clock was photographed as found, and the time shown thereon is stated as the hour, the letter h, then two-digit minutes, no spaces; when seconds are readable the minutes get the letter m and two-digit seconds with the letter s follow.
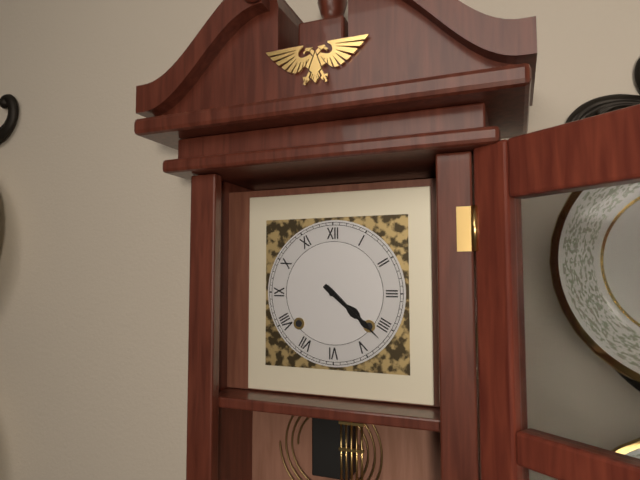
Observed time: 4h22
